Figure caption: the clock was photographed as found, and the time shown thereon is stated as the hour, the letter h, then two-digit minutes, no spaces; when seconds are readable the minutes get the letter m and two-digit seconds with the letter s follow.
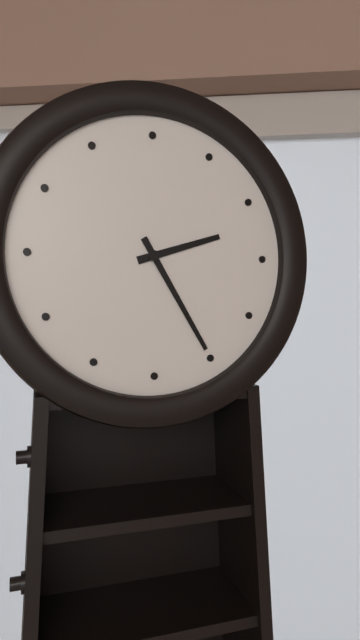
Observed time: 2h25
